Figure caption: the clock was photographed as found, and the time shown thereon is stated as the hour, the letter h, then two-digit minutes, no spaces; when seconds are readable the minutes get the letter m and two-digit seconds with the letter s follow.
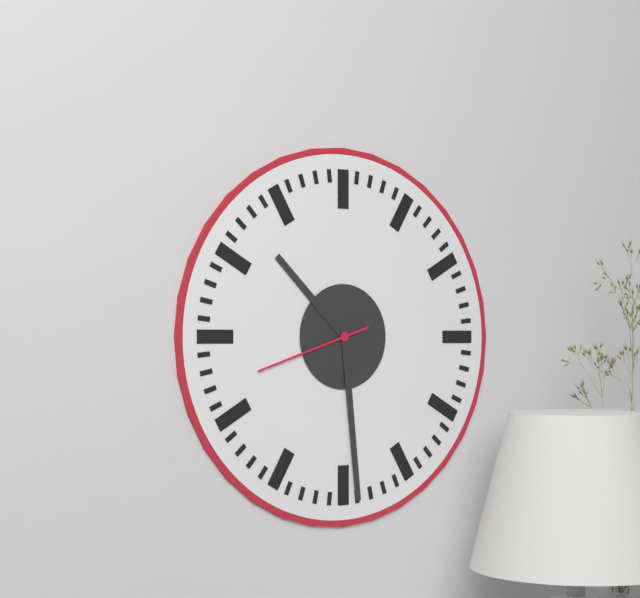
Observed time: 10h29m42s
